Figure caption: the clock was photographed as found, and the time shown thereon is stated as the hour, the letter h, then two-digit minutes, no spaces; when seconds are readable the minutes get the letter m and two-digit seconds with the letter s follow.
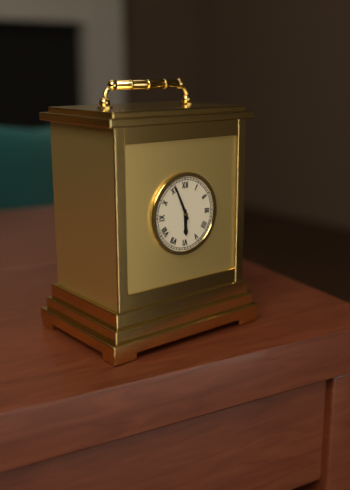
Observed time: 5h56
